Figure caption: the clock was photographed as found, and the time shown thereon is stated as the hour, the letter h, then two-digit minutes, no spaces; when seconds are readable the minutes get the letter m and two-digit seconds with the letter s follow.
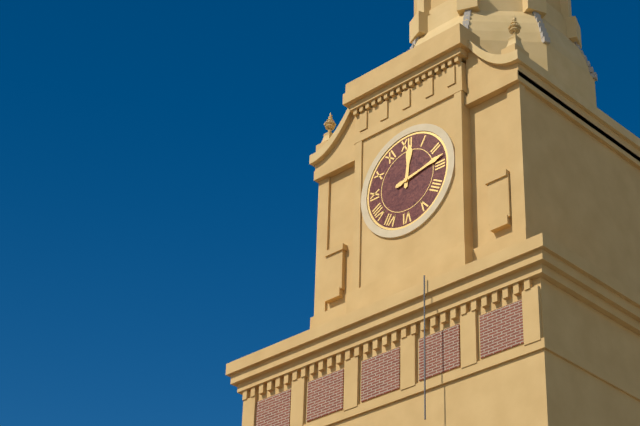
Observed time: 12h13
